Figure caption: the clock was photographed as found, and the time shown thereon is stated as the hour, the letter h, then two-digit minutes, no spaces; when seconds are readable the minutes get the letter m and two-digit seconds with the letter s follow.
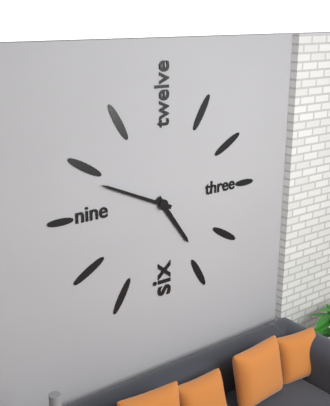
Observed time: 4h49
